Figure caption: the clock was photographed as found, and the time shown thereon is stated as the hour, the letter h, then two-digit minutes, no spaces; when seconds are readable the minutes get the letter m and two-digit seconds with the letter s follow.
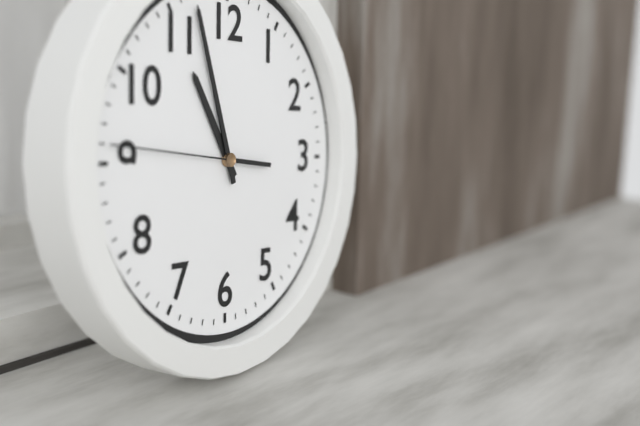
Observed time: 10h57m46s
